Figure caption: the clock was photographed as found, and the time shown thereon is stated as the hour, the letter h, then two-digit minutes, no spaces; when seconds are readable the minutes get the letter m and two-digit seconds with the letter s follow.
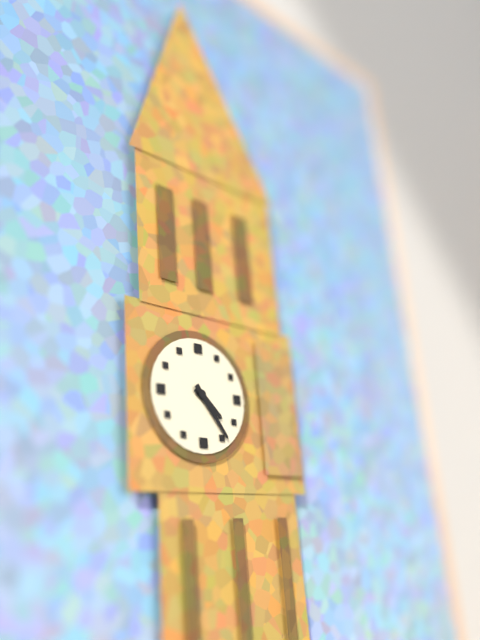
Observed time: 4h24
